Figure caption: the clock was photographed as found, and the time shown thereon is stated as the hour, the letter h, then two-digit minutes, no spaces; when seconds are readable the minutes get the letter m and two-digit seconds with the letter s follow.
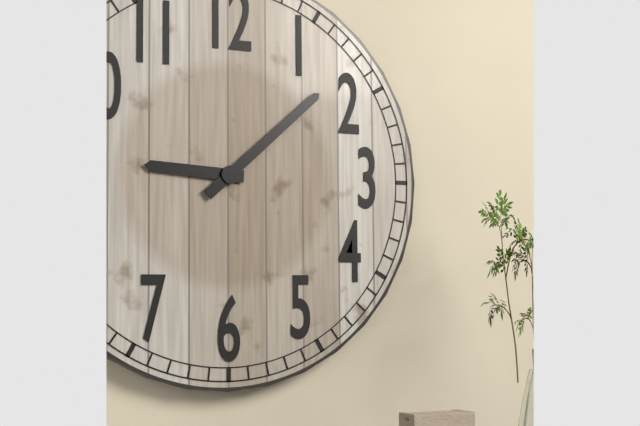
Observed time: 9h08
